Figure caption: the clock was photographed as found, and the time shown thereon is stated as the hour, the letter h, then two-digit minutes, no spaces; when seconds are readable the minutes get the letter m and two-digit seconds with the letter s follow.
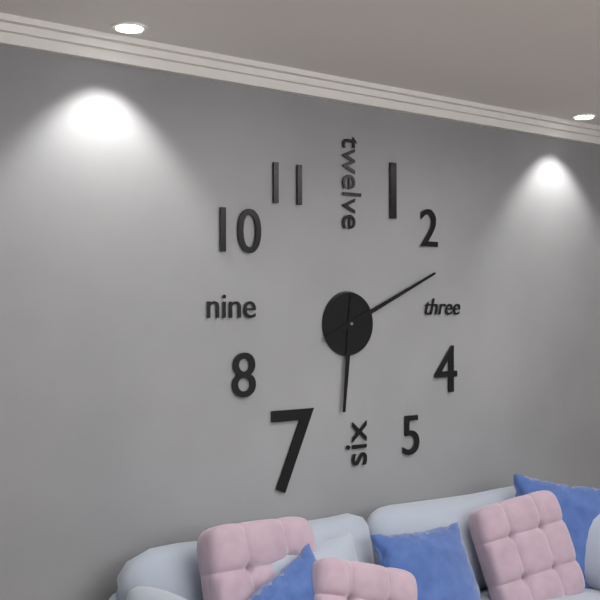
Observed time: 6h11
